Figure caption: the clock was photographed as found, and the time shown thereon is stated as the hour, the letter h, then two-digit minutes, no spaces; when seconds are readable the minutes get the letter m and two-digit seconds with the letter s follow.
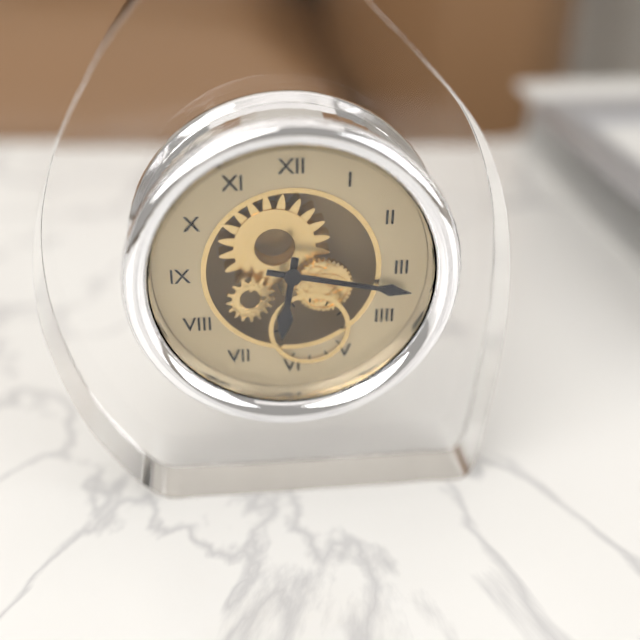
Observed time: 6h17
